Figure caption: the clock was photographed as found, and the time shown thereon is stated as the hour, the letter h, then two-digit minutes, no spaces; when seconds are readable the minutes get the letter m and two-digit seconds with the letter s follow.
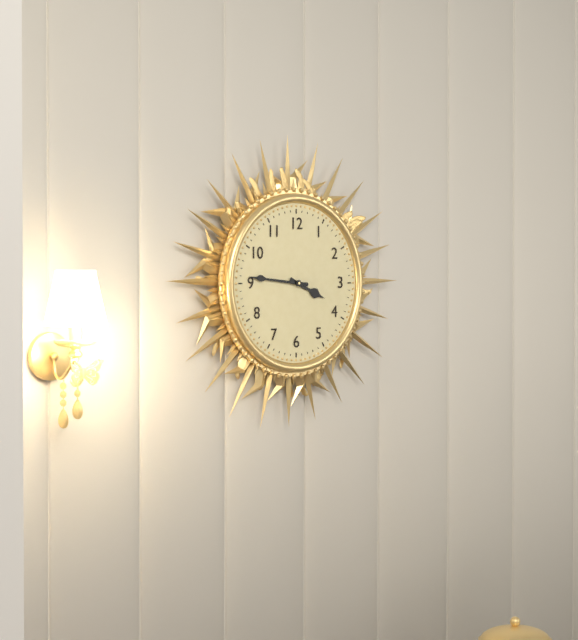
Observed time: 3h46
